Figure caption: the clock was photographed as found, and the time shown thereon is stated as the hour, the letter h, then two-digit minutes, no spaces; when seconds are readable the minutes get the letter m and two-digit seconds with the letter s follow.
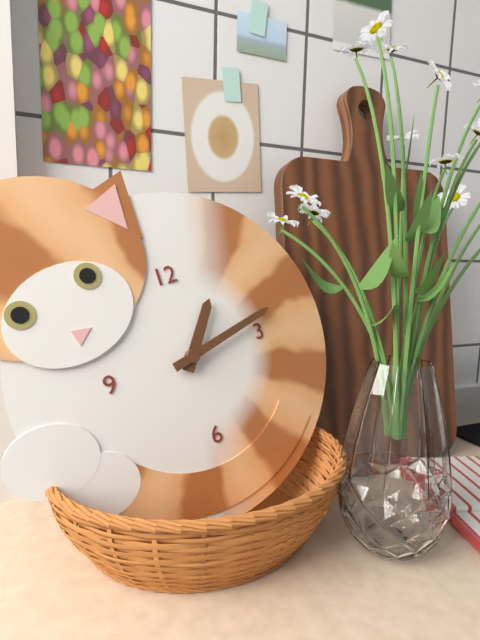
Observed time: 1h13
